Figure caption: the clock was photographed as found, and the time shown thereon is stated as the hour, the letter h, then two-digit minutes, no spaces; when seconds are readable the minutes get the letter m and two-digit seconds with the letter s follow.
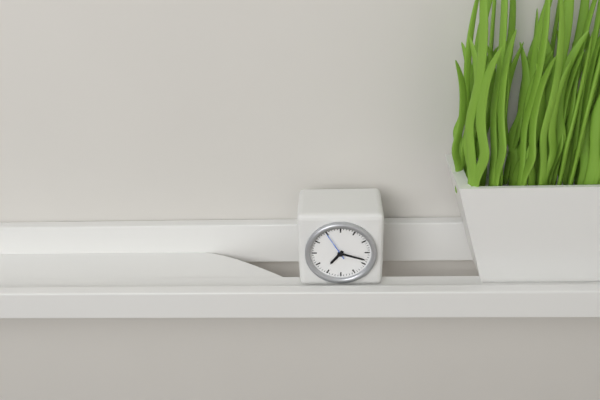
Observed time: 7h18
